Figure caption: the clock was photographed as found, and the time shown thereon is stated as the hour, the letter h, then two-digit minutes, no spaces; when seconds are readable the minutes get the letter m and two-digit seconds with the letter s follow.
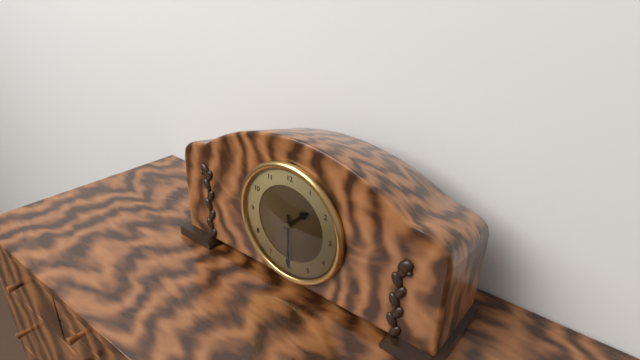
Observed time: 1h30
